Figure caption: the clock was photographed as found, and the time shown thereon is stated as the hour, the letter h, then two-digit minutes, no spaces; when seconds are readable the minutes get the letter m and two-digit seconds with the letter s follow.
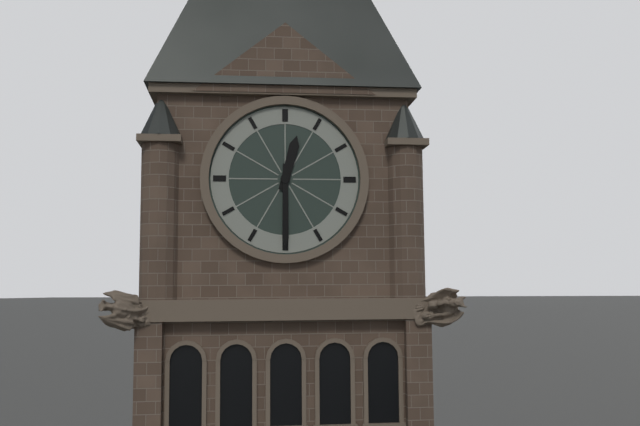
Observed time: 12h30
